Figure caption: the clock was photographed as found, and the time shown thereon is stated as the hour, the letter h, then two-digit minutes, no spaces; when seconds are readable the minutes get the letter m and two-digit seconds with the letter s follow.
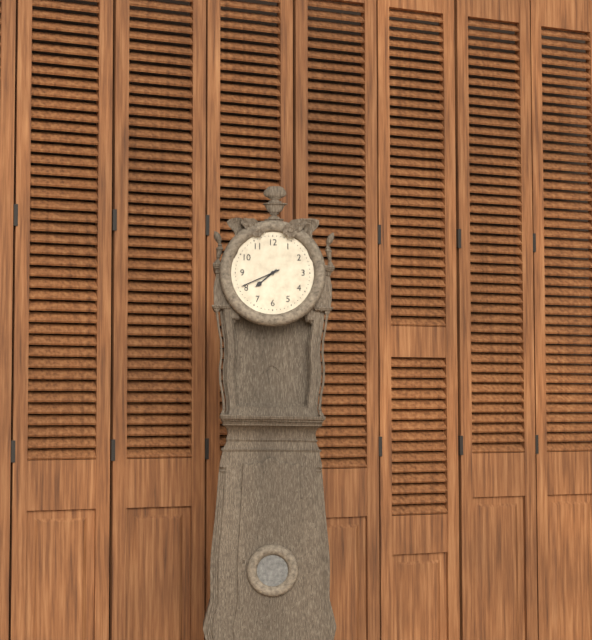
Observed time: 7h41
